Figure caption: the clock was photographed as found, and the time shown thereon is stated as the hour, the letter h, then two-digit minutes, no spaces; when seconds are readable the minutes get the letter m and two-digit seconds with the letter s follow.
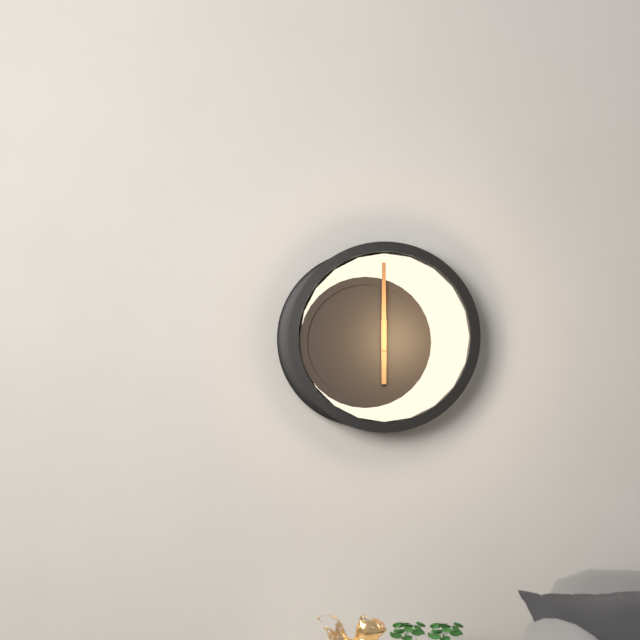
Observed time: 6h00
